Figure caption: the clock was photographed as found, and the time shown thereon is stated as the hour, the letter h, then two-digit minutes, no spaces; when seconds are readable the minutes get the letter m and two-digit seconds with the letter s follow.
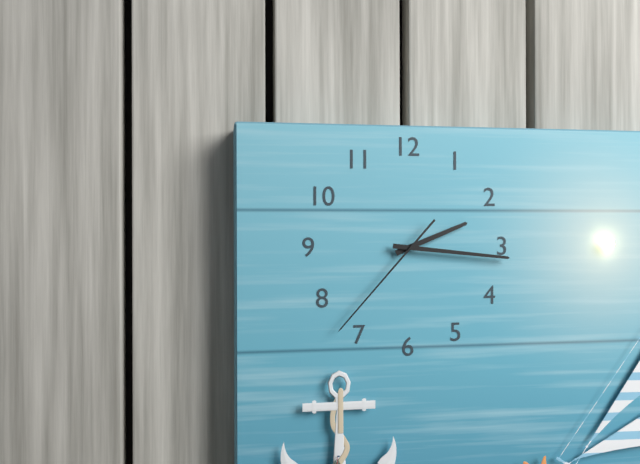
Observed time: 2h16m37s
